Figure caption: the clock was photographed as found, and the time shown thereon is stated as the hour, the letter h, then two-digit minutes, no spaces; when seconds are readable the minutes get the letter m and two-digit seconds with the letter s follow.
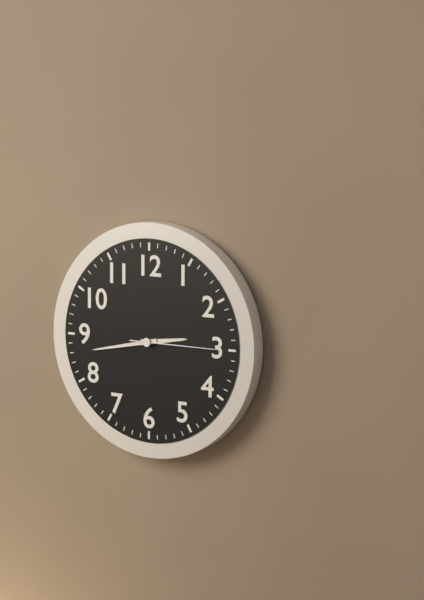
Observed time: 2h43m15s
